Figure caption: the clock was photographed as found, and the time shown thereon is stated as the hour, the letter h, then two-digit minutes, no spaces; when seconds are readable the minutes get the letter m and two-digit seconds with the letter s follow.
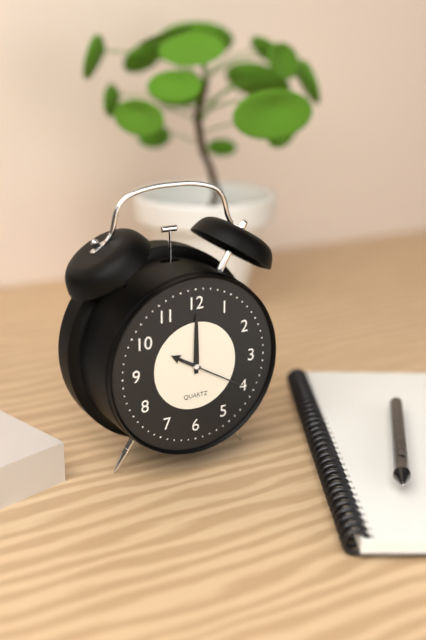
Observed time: 10h00m20s
